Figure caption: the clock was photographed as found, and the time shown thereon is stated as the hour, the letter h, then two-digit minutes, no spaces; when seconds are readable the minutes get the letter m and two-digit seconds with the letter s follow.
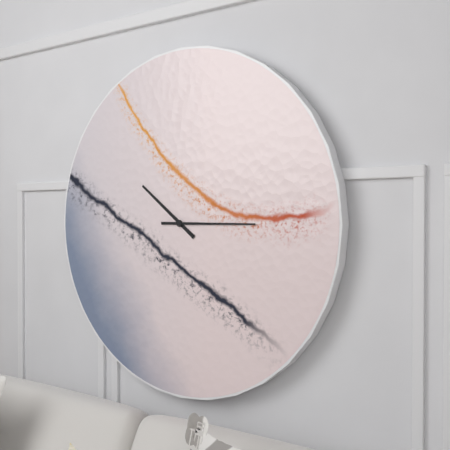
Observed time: 10h15
